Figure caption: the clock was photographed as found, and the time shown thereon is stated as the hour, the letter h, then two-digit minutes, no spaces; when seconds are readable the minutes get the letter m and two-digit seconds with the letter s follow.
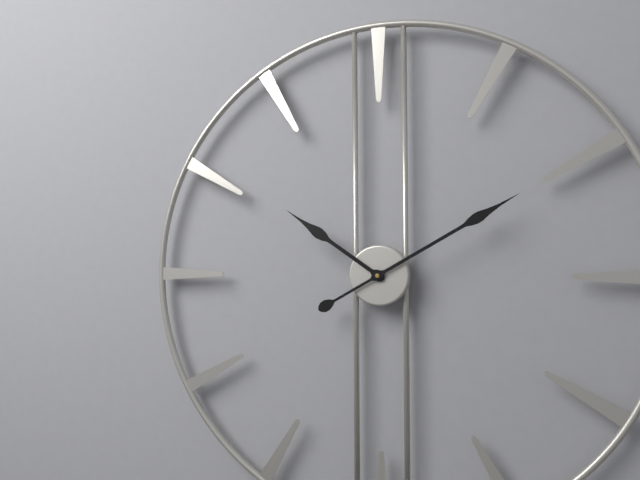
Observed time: 10h10
